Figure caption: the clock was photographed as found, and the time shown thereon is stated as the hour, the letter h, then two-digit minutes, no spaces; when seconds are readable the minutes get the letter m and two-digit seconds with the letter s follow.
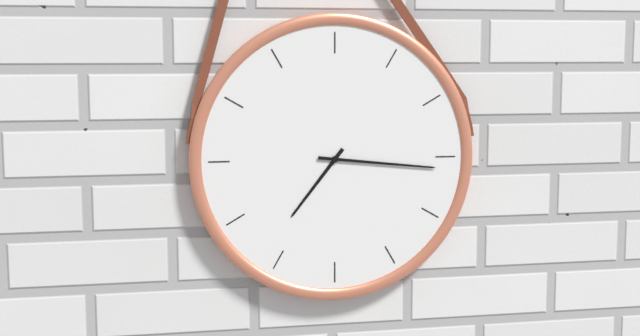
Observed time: 7h16
